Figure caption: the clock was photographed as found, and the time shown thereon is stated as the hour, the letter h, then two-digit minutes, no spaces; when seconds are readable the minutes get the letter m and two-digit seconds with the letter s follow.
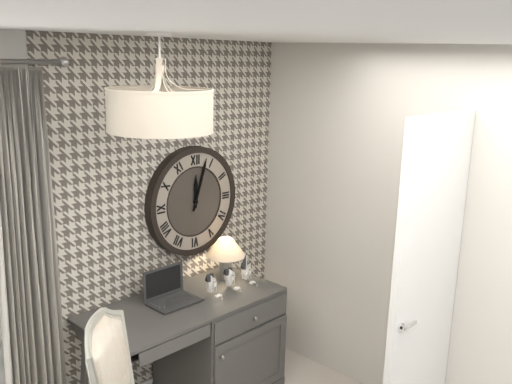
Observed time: 12h03
